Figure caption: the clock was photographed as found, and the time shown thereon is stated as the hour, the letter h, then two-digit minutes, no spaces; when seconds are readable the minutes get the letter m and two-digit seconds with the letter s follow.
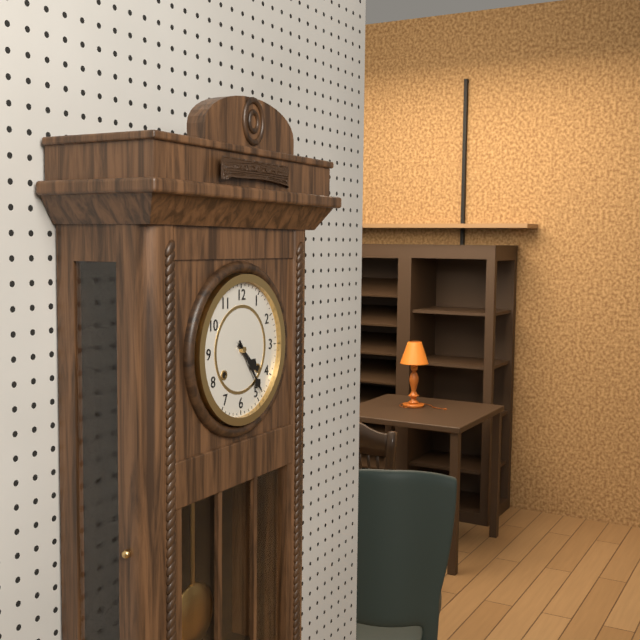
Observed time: 4h24
